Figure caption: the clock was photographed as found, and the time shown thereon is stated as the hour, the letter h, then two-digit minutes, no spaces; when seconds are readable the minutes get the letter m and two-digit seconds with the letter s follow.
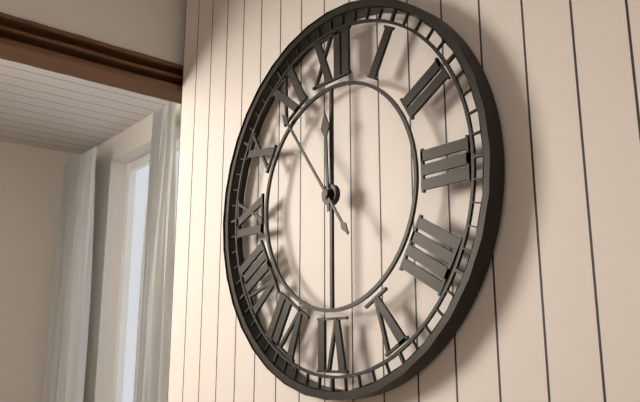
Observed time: 11h54
